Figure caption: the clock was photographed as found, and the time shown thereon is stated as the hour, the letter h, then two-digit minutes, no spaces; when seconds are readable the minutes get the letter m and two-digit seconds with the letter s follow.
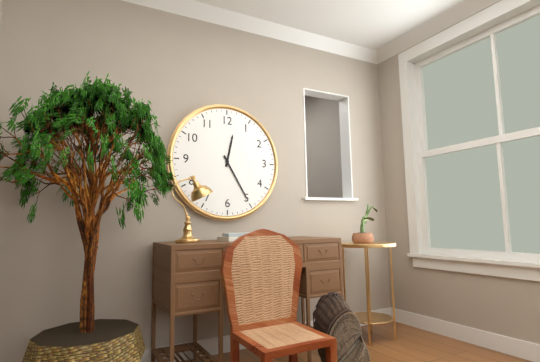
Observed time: 12h25
